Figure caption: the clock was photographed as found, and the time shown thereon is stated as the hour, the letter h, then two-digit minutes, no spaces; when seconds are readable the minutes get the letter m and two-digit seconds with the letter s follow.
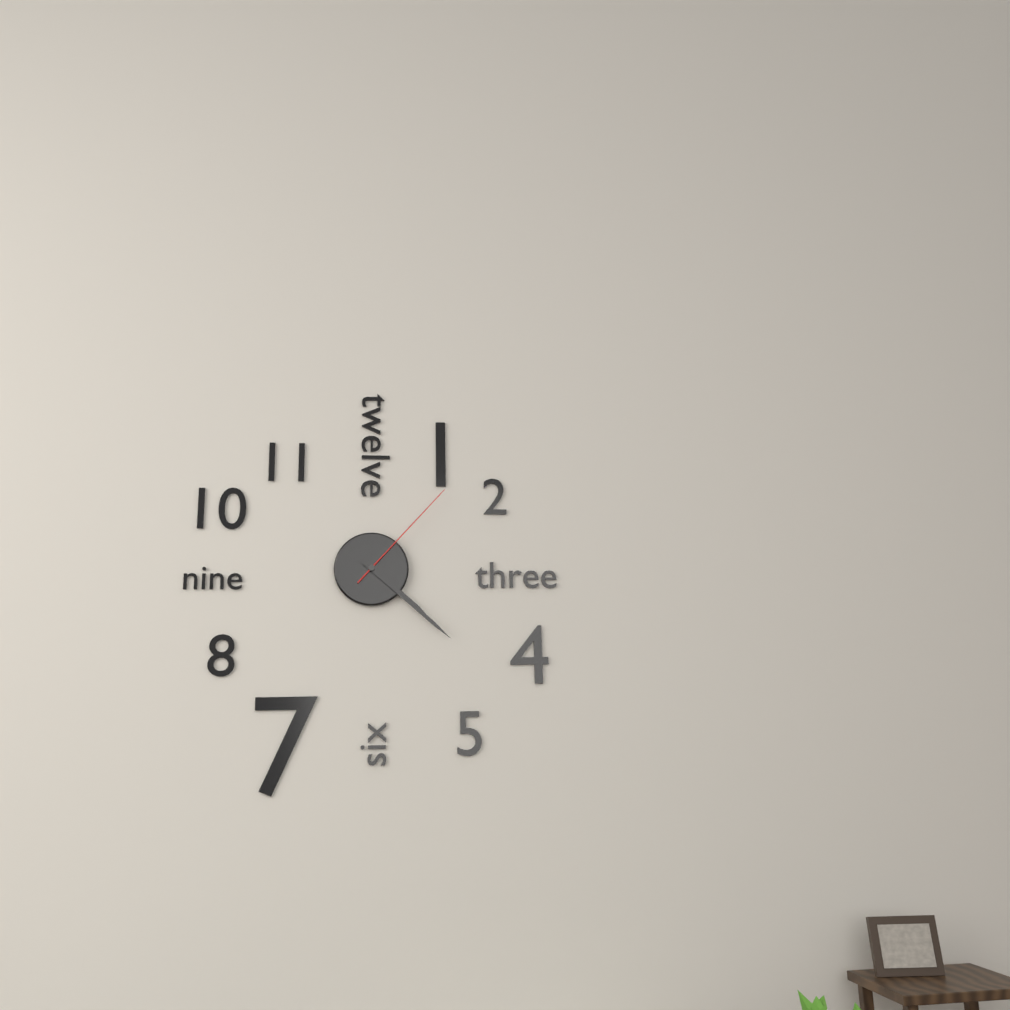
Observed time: 4h22m07s
